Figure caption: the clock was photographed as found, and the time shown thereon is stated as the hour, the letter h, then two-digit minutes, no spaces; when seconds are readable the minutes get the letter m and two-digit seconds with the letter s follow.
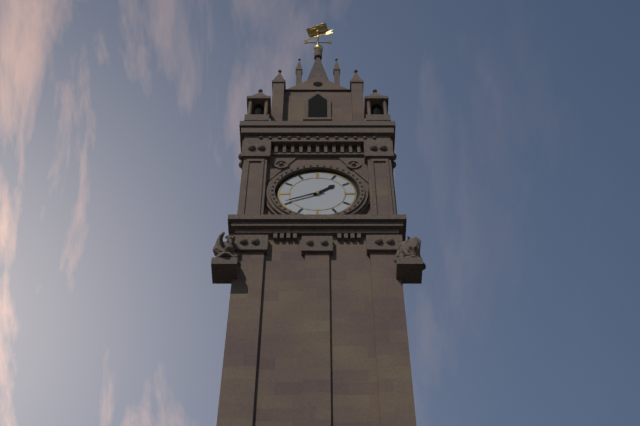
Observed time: 1h41
